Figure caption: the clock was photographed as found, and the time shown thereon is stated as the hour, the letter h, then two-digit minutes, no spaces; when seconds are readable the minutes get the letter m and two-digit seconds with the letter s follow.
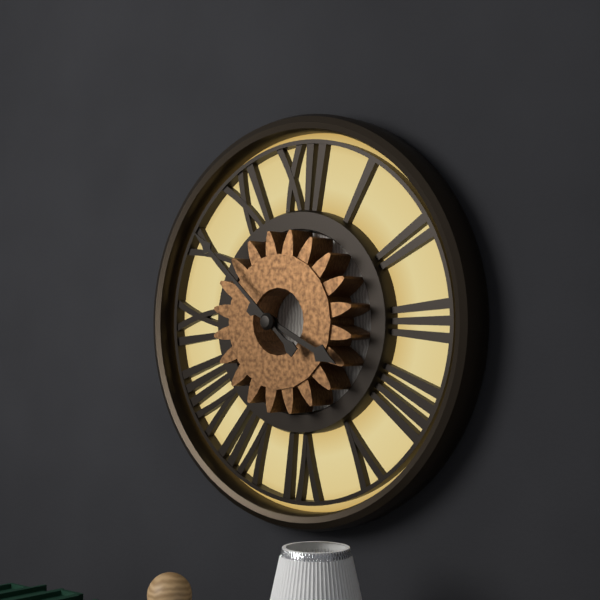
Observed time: 3h52
